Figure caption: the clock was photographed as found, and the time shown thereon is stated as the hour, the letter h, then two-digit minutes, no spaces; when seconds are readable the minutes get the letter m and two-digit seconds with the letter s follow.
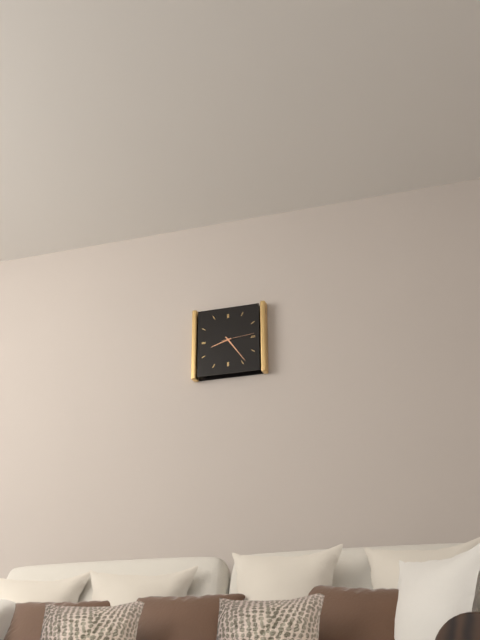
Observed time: 8h24
